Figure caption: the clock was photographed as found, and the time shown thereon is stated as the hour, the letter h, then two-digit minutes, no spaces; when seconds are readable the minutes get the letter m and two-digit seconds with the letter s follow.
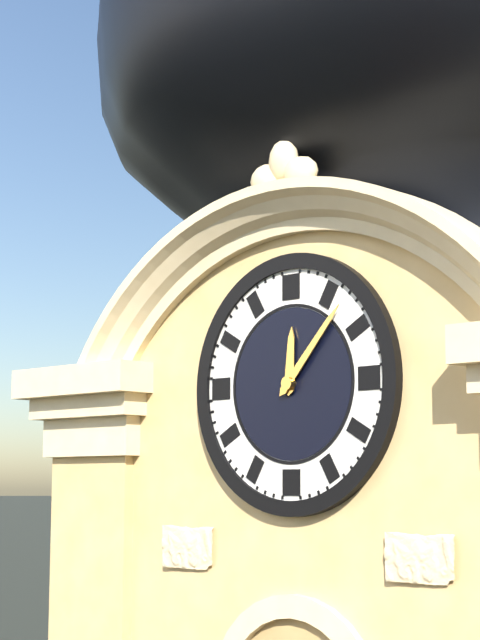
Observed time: 12h07
